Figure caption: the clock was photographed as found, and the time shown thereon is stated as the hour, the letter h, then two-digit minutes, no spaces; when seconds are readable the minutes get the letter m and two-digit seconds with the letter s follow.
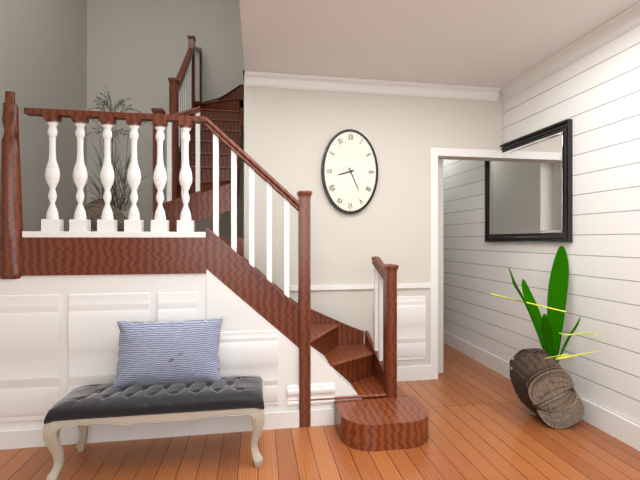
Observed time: 8h26
